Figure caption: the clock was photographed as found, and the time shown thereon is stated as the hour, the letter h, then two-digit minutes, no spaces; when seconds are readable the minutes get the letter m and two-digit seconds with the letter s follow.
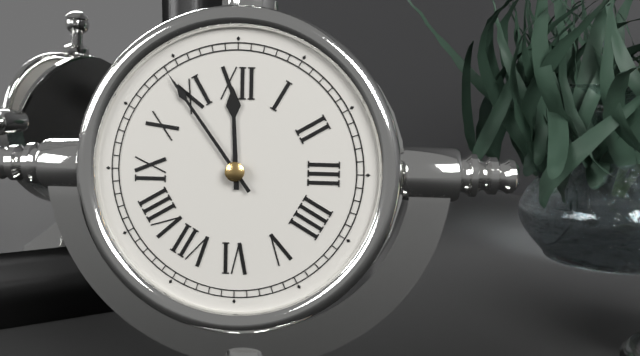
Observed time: 11h54
